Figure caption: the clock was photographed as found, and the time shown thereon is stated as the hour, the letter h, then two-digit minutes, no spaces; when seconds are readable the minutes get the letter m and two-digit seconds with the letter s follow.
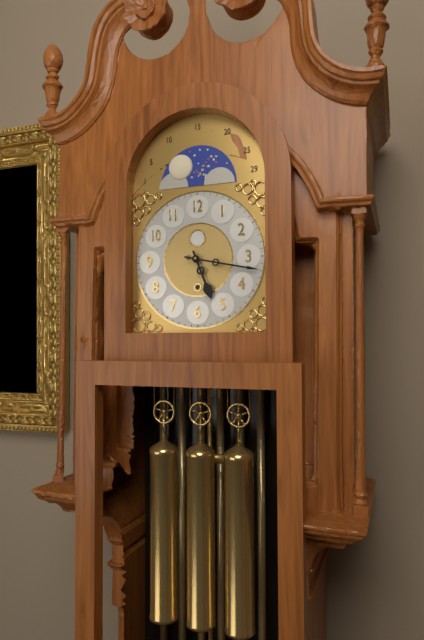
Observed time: 5h17
